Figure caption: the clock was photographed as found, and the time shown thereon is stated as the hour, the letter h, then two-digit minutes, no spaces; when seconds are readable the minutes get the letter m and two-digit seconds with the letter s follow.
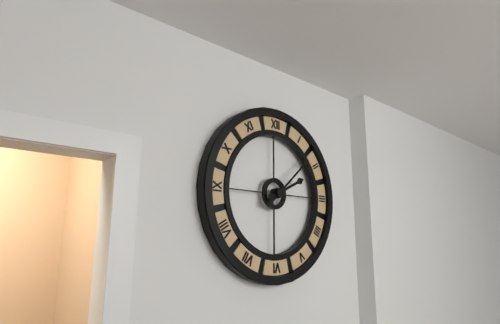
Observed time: 2h08
